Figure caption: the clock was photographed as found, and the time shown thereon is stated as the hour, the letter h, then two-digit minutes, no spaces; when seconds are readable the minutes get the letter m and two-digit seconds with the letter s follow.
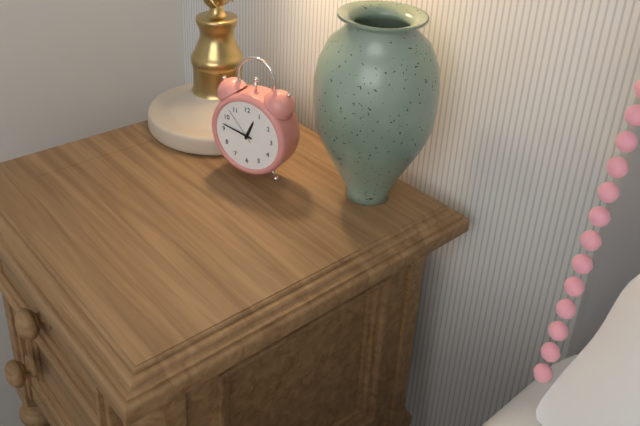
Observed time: 12h47
